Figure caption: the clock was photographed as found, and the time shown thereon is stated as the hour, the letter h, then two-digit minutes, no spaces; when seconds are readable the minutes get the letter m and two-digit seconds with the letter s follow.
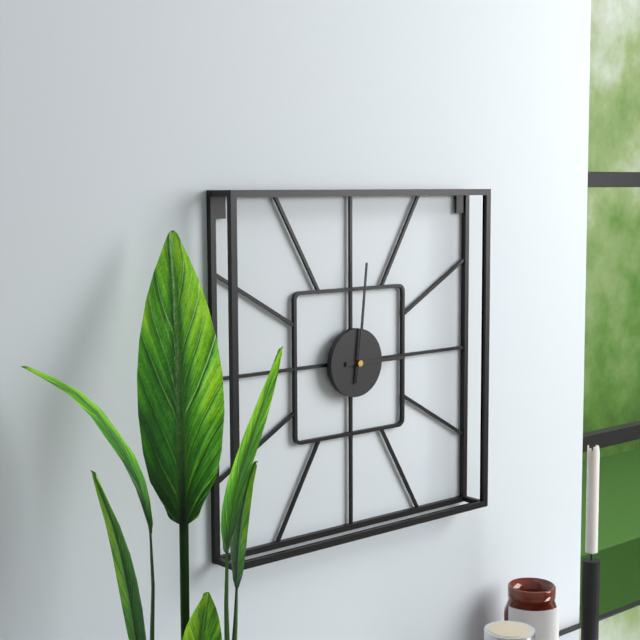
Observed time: 3h01
